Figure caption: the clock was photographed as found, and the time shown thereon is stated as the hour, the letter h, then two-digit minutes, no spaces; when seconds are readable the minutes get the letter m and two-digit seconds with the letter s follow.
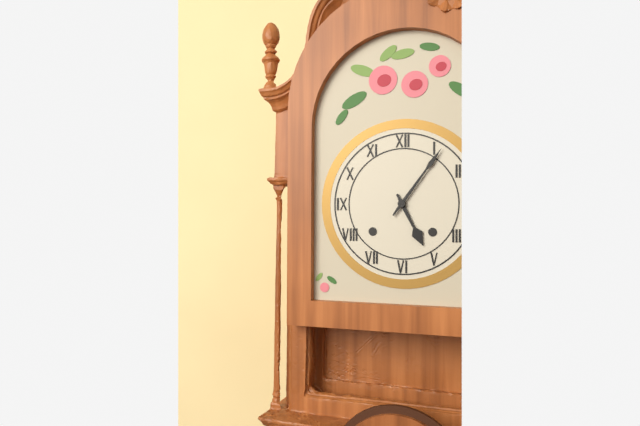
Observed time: 5h06
